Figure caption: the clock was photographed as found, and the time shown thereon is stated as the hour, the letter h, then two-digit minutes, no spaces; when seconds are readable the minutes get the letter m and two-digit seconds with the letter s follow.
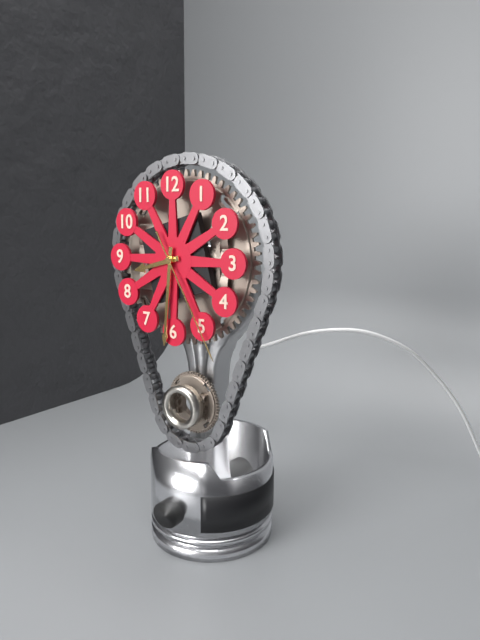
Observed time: 8h31m25s
